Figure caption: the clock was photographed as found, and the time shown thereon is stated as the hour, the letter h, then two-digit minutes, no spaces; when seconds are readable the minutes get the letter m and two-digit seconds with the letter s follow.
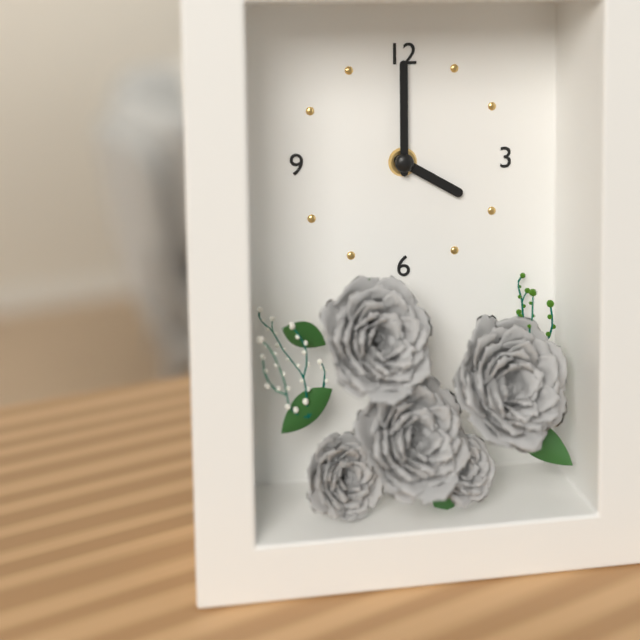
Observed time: 4h00
